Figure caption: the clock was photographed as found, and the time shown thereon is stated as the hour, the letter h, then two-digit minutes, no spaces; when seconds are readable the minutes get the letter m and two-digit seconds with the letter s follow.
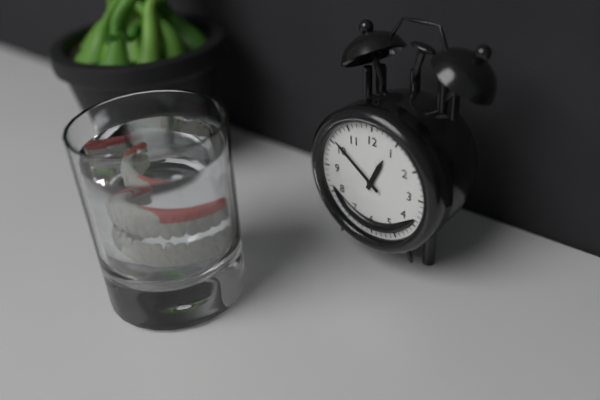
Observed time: 12h51
